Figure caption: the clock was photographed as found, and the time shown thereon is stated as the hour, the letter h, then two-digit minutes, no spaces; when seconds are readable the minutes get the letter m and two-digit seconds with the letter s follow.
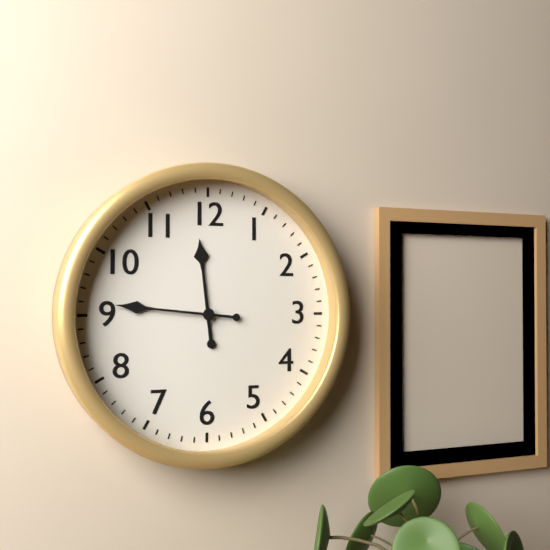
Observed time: 11h46
